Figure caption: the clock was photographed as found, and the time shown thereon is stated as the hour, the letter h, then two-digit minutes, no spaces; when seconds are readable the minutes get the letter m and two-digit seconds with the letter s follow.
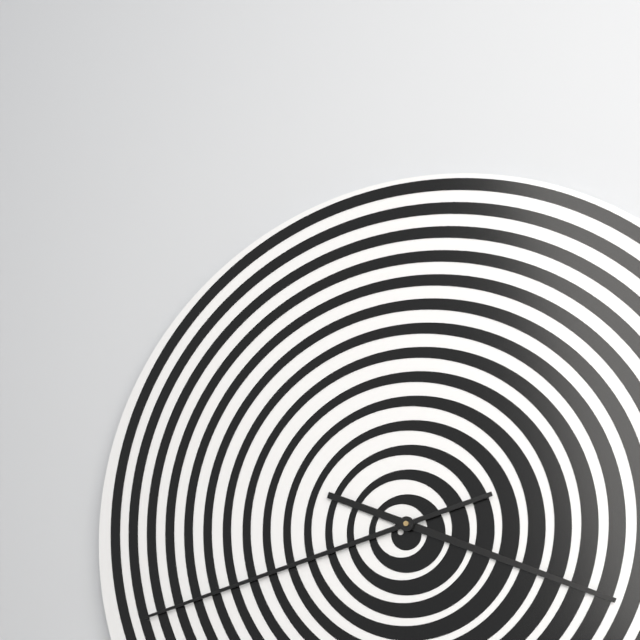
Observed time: 3h42
